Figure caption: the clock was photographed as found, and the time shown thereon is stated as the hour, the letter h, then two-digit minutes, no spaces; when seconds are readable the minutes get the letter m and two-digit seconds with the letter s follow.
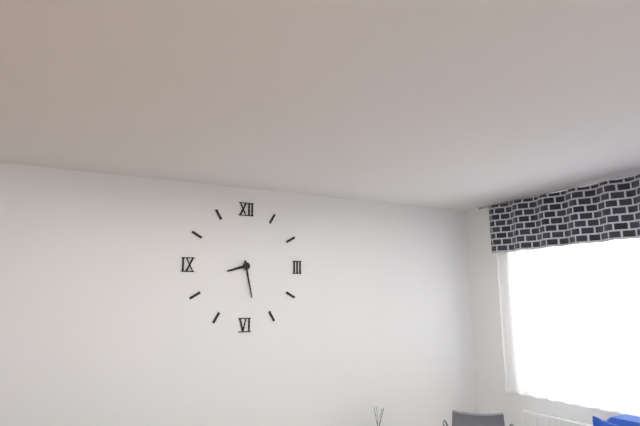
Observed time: 8h28
